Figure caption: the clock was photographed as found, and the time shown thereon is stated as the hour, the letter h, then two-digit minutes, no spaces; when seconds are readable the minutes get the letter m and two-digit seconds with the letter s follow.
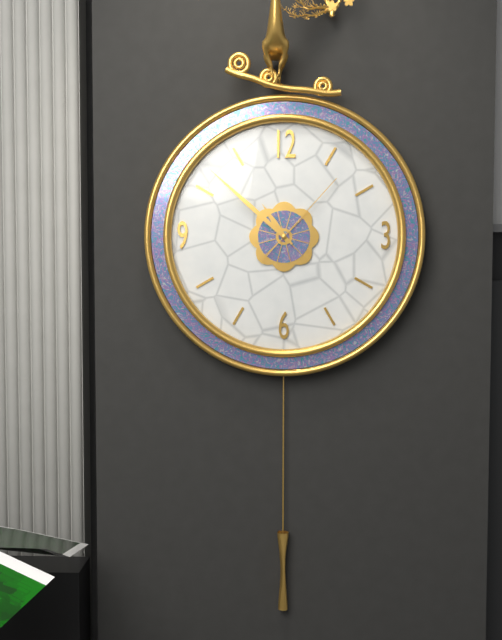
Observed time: 10h52m07s
